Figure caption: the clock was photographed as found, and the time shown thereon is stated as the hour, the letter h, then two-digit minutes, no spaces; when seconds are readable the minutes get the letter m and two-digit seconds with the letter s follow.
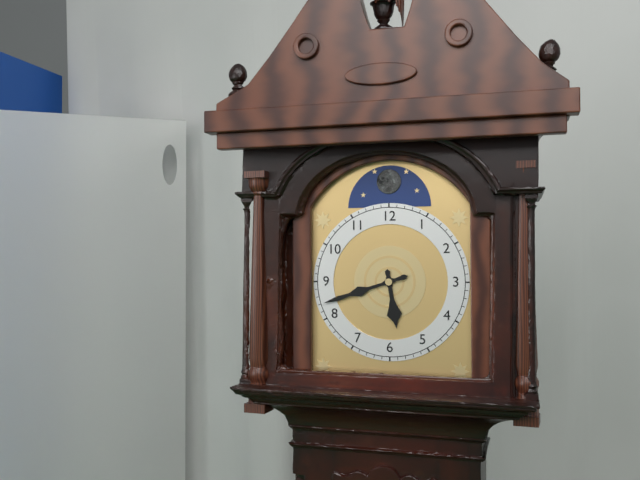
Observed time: 5h42
